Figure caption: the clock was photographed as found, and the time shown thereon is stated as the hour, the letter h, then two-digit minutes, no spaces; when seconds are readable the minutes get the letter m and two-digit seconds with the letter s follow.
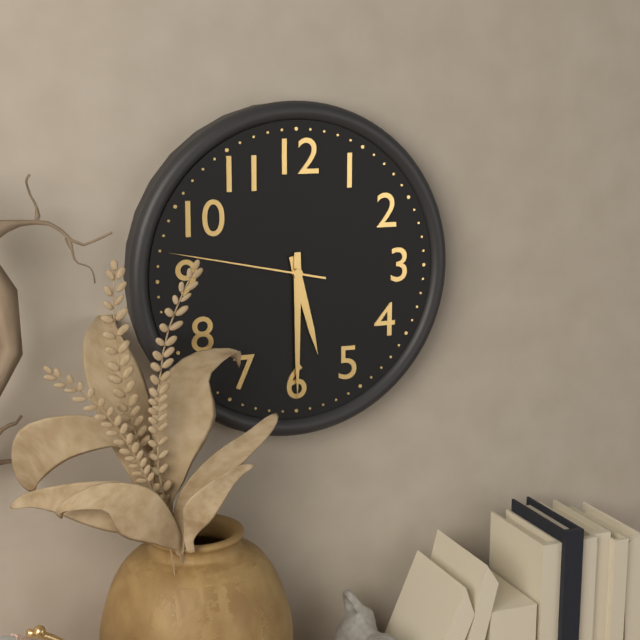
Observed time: 5h30m47s
